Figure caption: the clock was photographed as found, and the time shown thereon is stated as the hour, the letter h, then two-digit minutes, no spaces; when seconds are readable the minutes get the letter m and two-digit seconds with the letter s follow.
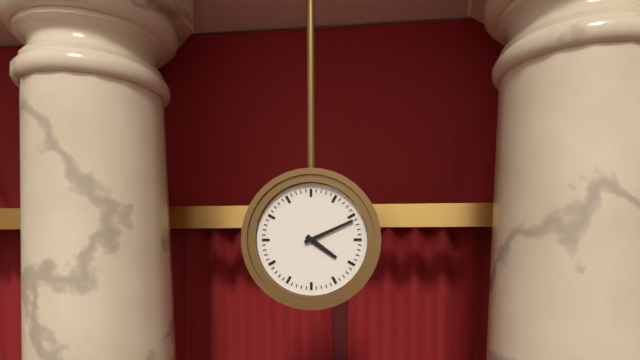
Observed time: 4h11
